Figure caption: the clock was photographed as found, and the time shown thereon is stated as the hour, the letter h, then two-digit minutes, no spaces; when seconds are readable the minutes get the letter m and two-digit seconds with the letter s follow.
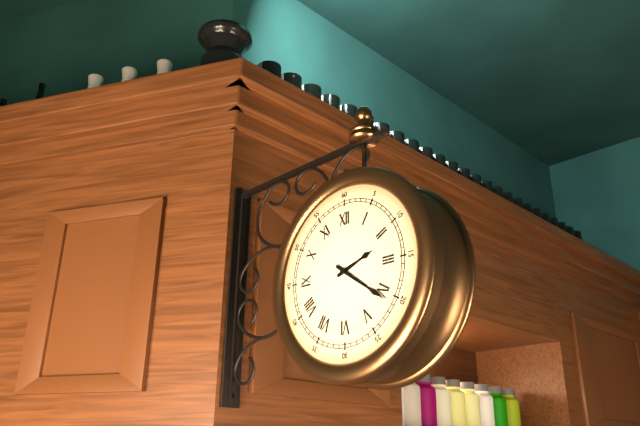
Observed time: 2h21
